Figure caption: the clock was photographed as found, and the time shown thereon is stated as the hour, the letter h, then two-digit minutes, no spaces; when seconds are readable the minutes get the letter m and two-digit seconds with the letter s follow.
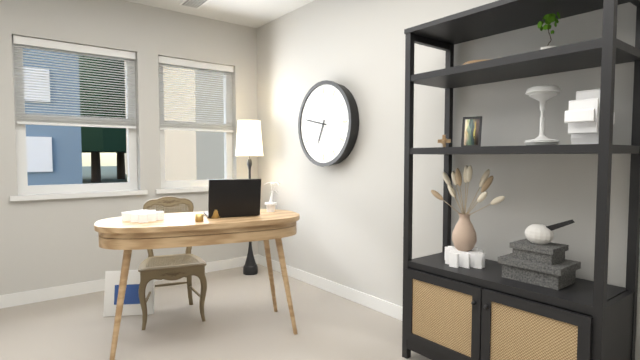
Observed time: 6h47
